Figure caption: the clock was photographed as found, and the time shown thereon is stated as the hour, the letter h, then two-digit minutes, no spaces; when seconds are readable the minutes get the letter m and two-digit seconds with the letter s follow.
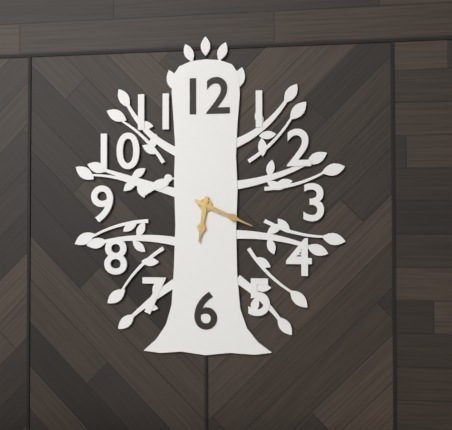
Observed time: 6h19
